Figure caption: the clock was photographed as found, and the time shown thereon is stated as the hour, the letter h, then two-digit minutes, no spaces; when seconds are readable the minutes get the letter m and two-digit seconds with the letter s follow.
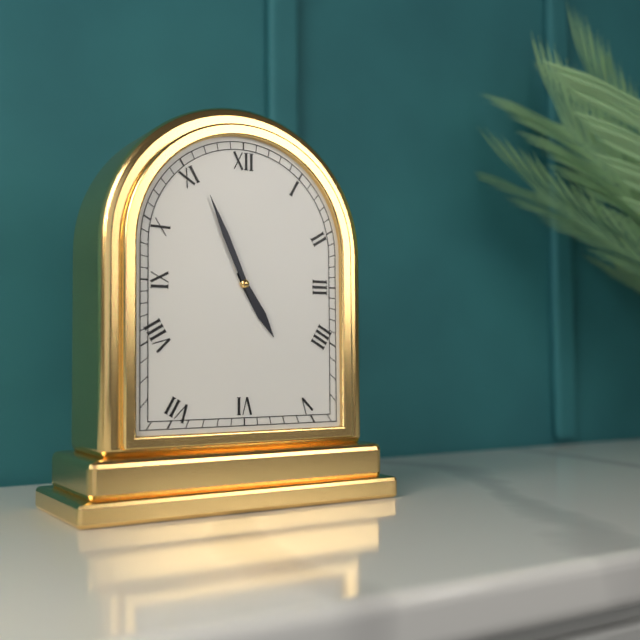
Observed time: 4h56
